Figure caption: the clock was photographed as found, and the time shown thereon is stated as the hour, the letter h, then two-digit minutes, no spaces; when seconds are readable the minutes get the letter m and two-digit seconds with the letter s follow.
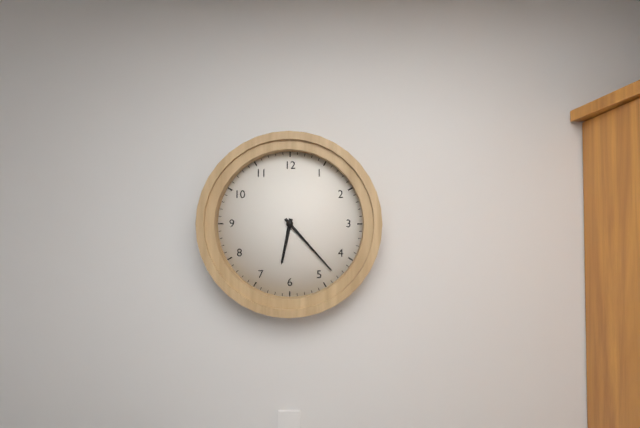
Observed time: 6h23
